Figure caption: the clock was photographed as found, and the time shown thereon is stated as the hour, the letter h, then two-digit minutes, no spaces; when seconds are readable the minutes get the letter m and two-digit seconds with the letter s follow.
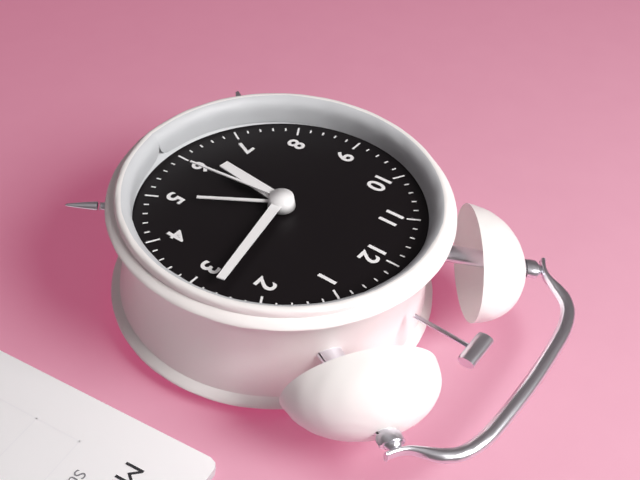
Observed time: 6h13m29s
